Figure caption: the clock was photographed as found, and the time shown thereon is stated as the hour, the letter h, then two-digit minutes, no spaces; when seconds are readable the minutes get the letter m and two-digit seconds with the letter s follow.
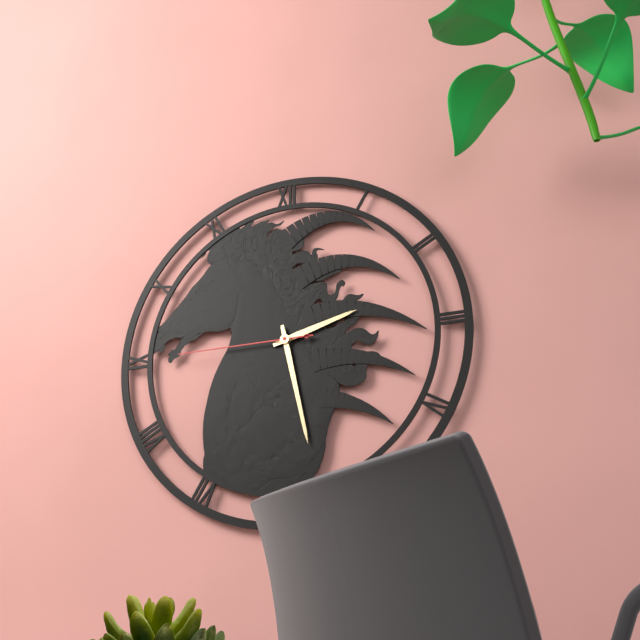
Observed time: 2h28m45s
